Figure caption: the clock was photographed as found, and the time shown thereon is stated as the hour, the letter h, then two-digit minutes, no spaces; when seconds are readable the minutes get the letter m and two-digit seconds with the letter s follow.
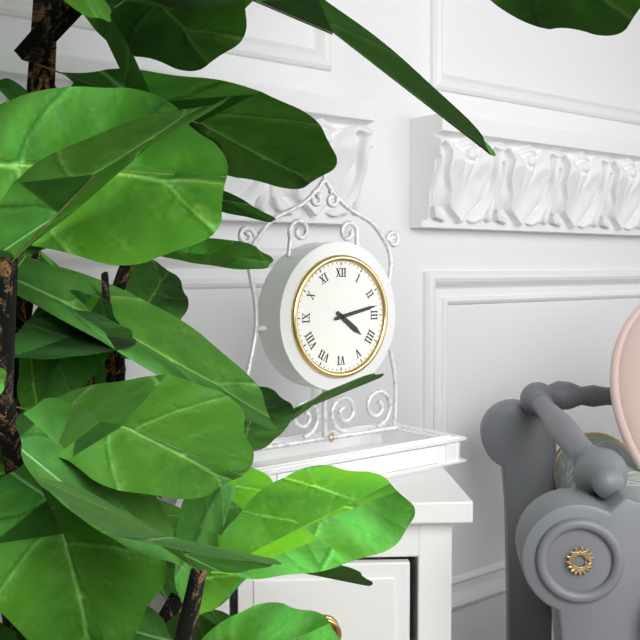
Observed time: 4h13
